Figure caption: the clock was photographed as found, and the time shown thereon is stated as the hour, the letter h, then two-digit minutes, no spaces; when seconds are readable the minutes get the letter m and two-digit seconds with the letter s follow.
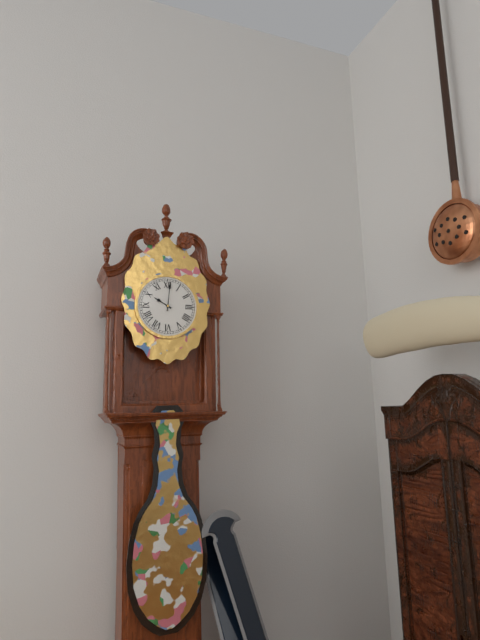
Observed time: 10h01
